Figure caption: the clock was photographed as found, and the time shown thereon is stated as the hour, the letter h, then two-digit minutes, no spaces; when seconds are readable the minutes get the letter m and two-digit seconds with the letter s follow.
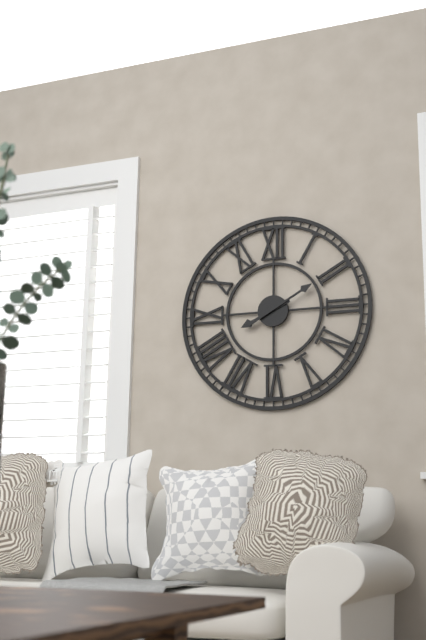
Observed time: 8h10
